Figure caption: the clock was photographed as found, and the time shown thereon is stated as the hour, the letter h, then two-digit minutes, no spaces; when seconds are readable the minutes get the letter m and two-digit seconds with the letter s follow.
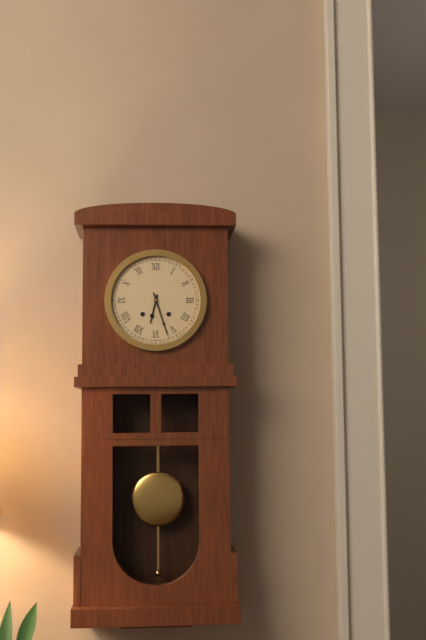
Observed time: 6h27
